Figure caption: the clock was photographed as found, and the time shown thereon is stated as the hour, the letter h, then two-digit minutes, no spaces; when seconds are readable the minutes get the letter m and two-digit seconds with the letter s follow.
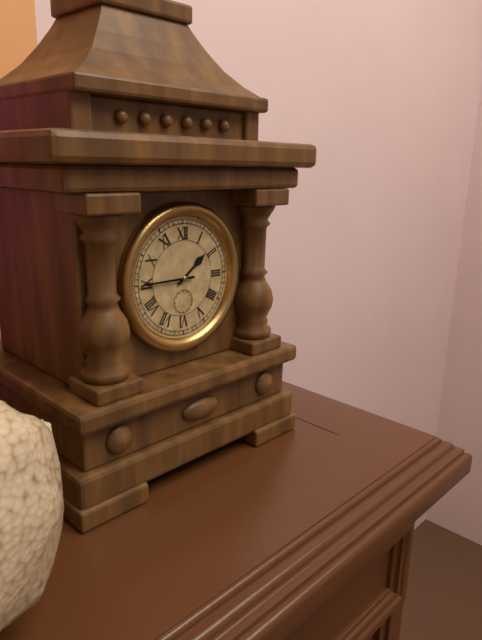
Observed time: 1h45
